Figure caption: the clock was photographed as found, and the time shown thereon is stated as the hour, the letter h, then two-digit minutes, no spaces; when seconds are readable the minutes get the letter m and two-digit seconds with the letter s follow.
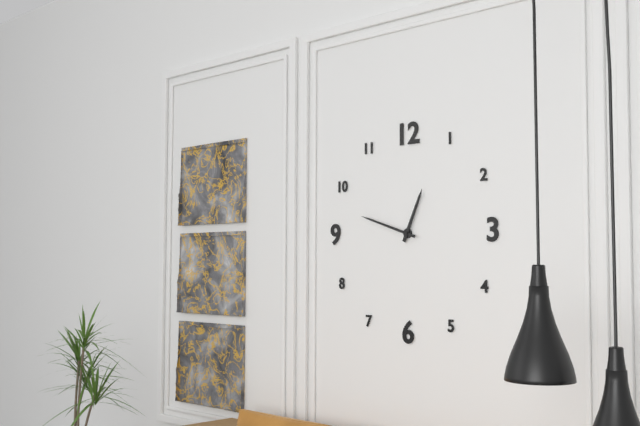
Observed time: 12h48
